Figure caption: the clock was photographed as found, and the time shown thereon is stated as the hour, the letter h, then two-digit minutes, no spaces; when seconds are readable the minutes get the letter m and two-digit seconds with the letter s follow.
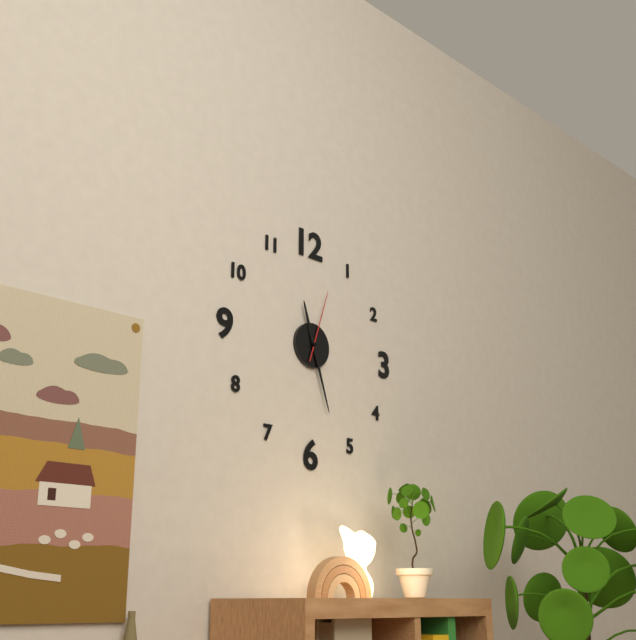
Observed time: 11h27m03s
